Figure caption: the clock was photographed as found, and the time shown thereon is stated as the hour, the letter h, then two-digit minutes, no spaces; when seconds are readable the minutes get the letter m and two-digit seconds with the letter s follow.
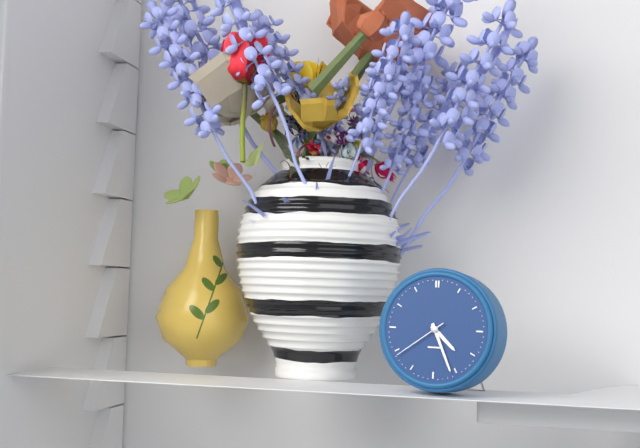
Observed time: 4h26m39s
